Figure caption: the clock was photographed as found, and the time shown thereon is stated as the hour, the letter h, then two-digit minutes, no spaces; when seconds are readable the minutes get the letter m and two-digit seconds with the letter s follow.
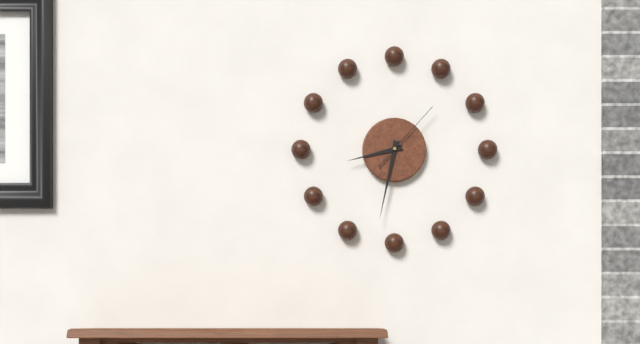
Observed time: 8h32m07s
